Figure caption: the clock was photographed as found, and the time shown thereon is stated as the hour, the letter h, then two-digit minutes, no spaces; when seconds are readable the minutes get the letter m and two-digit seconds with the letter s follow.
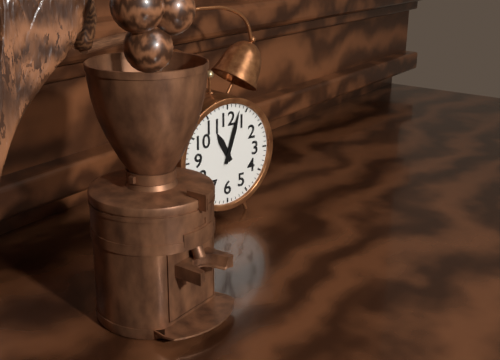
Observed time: 11h03
